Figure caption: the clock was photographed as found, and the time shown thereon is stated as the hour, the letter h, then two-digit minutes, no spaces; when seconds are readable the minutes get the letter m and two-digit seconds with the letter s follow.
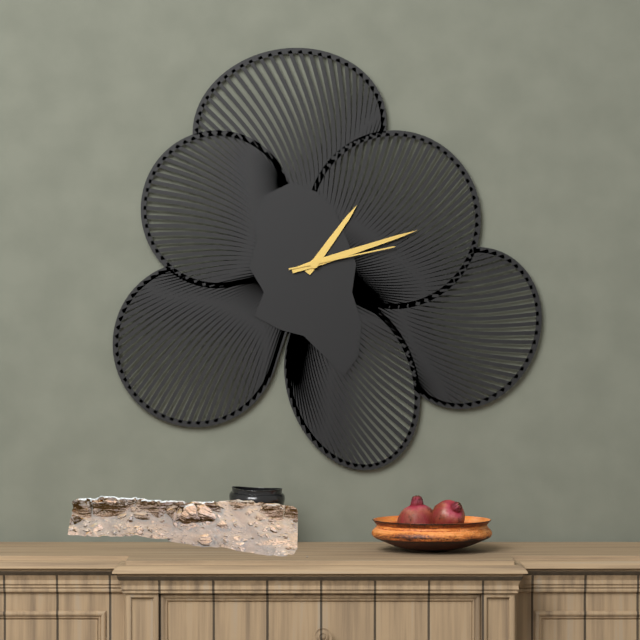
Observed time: 1h12m13s
